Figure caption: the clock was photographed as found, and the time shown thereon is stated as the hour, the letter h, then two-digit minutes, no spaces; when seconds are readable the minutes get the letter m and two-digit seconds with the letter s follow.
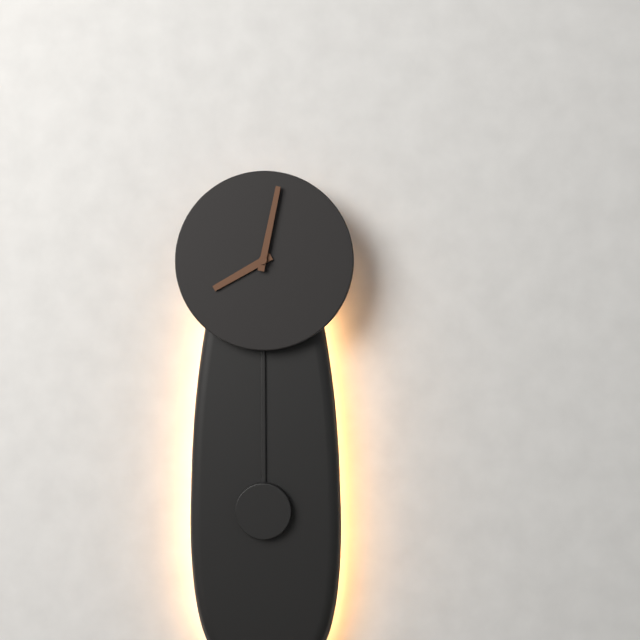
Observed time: 8h02
